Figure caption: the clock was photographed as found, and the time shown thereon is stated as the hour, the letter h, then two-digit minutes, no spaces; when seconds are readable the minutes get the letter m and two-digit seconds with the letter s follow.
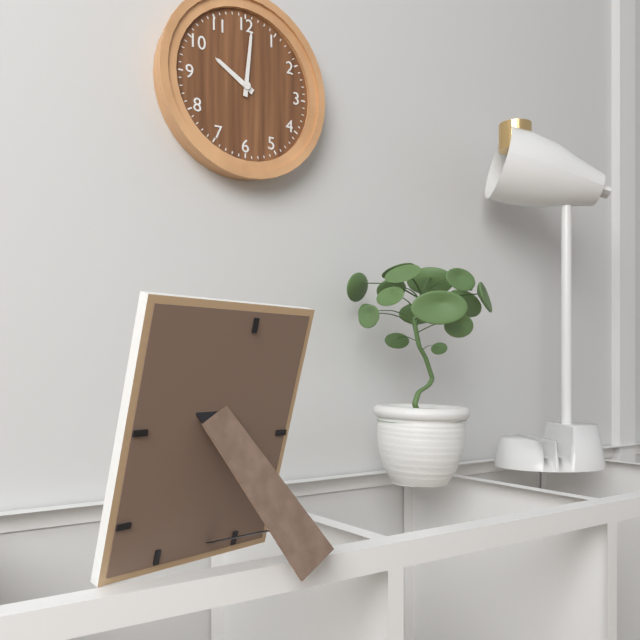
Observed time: 10h01
